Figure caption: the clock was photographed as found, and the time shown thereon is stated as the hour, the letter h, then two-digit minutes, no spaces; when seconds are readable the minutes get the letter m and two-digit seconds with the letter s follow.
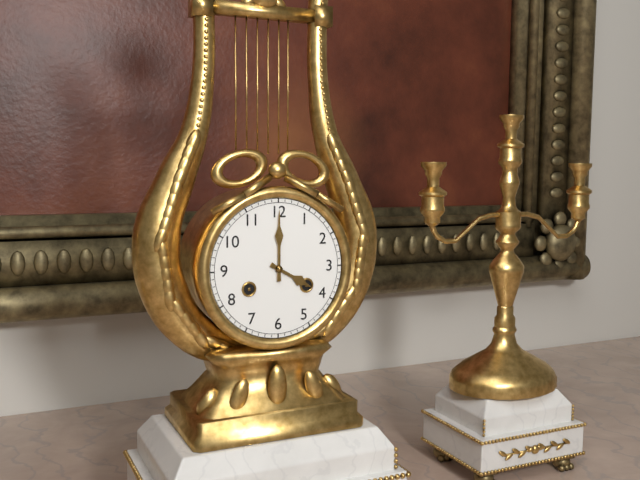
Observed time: 4h00
